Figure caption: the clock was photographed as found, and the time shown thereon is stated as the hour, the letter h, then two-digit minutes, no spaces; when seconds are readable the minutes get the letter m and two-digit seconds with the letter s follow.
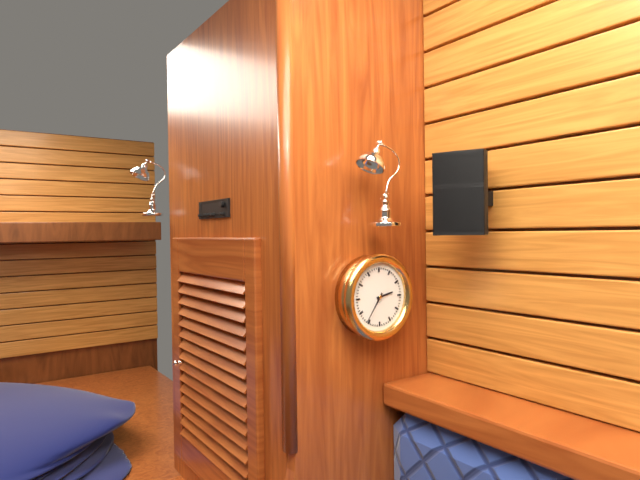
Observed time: 2h36
